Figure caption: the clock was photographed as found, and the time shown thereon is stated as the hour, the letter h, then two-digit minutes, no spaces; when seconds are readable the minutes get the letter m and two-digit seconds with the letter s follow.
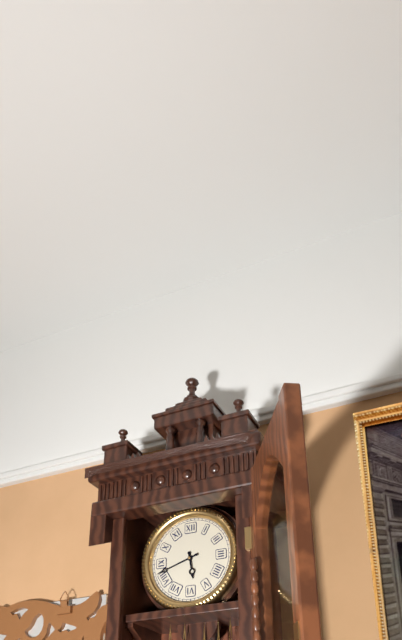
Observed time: 5h42
